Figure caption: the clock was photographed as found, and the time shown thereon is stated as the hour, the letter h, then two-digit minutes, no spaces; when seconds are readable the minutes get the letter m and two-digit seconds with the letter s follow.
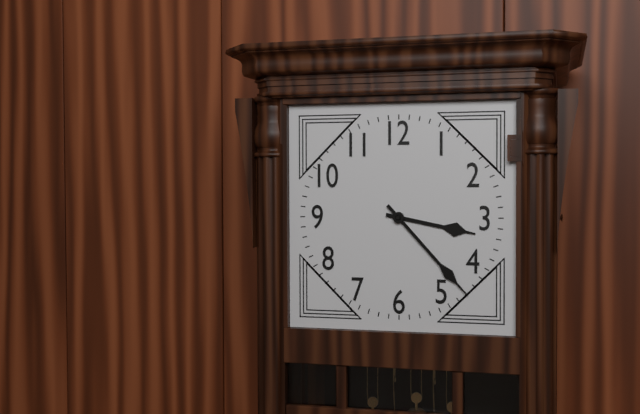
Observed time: 3h23
